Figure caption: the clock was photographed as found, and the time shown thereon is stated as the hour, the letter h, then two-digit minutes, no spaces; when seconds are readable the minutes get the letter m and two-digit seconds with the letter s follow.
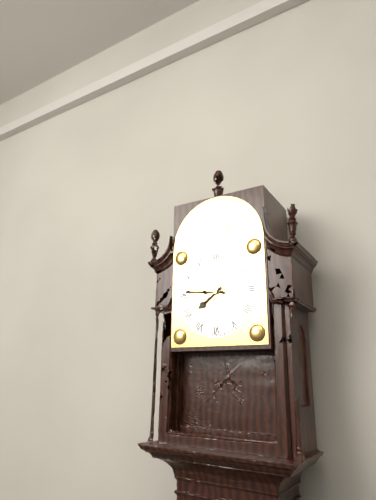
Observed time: 7h46
